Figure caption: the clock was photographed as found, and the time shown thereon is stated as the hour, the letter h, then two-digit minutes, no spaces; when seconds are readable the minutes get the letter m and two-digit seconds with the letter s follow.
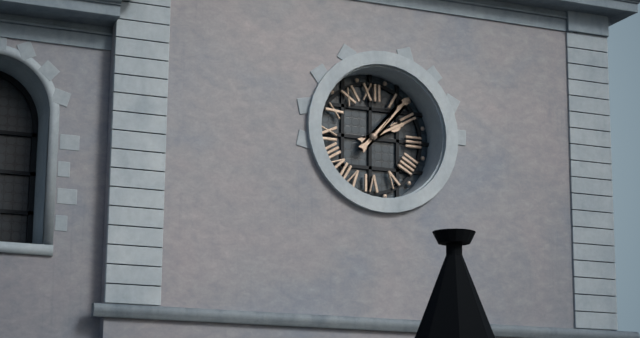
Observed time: 2h07
